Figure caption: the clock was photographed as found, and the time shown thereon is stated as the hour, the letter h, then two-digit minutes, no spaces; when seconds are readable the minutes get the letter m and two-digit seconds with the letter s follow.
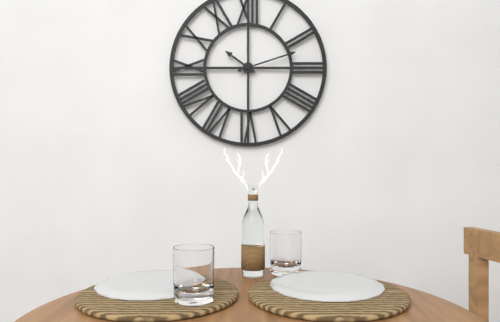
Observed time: 10h12
